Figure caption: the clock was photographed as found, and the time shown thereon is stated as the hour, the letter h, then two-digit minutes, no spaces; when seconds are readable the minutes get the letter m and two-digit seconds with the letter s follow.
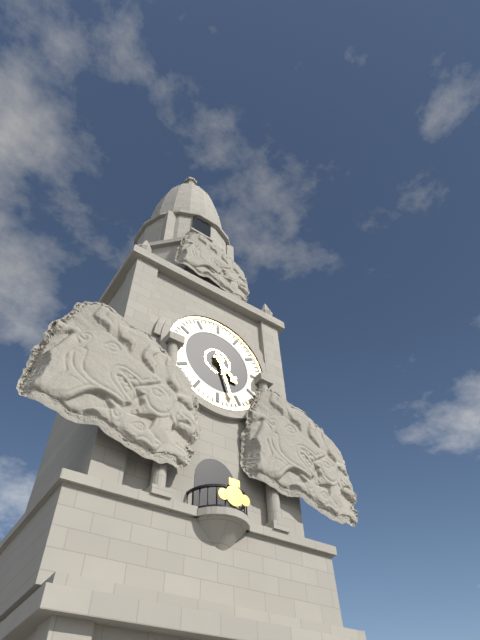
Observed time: 4h27
